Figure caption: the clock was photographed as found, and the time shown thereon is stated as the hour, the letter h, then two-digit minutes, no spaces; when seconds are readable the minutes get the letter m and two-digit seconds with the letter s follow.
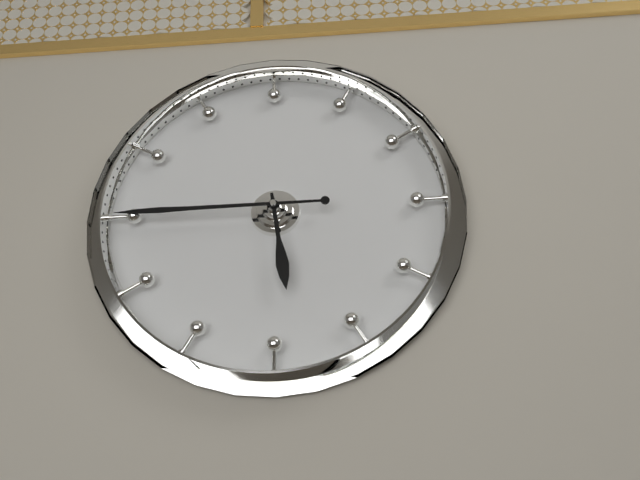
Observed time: 5h45
